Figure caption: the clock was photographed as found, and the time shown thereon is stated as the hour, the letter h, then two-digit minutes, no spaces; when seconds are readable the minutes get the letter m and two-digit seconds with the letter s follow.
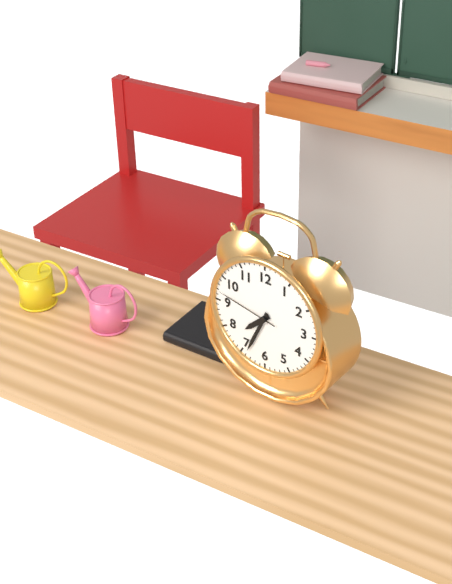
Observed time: 7h34m47s
